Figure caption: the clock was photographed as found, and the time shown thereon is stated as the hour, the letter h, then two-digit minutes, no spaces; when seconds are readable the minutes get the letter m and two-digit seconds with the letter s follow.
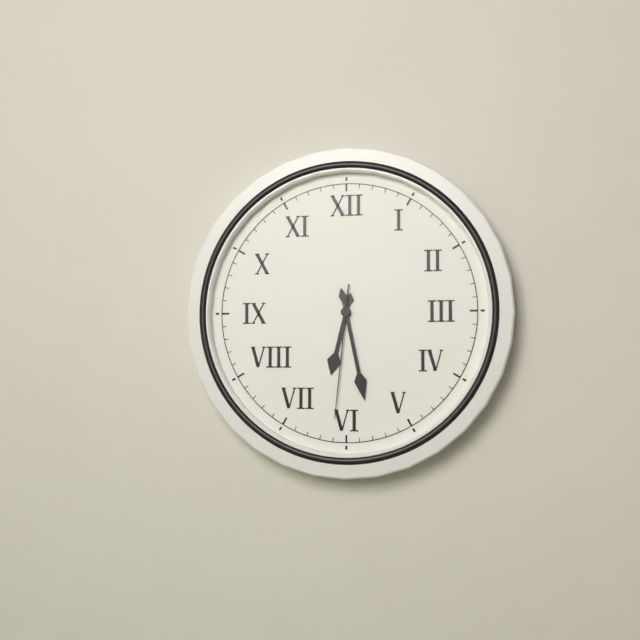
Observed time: 6h28m31s
